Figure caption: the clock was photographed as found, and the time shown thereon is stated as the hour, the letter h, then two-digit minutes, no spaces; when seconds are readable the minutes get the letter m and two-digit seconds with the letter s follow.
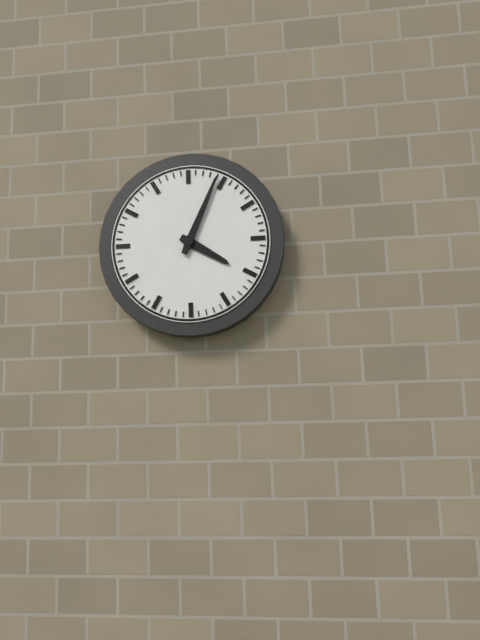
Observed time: 4h04
